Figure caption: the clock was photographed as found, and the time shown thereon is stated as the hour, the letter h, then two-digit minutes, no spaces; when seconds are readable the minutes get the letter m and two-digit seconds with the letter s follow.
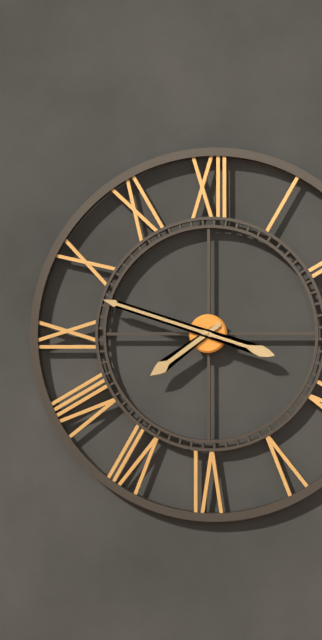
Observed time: 7h48
